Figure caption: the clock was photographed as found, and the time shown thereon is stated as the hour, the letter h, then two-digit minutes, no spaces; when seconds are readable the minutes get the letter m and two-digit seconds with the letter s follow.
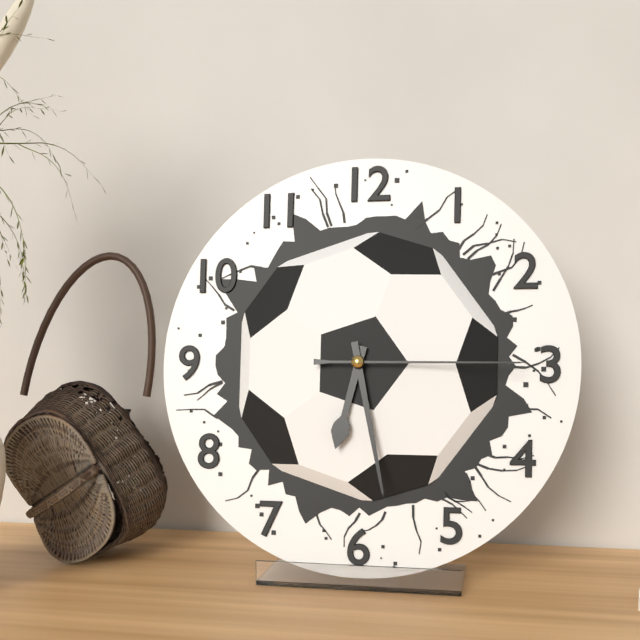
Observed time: 6h28m15s
